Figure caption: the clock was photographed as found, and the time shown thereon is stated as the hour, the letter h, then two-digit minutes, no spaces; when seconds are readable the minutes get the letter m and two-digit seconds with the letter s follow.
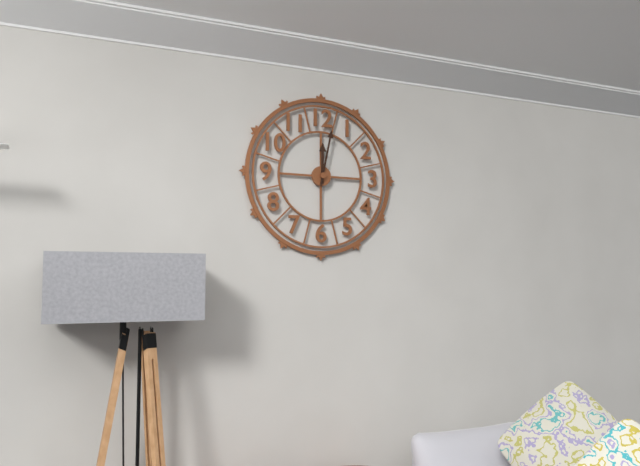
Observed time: 12h02
